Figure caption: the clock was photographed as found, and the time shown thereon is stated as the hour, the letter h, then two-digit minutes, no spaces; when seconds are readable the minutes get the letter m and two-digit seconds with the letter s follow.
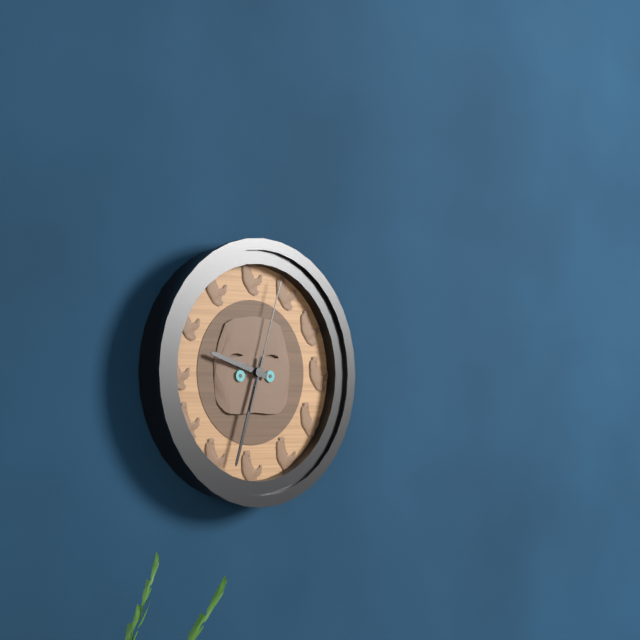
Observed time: 9h33m03s
